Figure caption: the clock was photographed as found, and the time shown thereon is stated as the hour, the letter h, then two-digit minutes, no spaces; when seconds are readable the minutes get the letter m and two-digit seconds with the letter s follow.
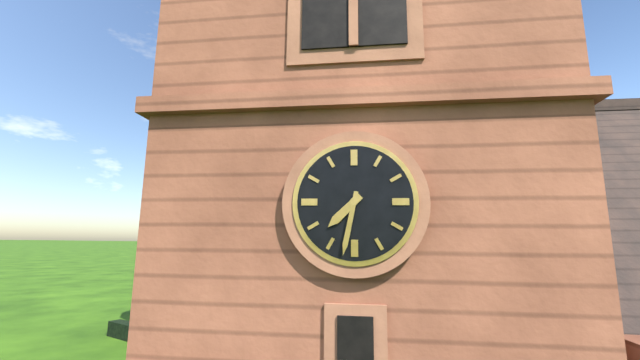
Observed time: 7h32
